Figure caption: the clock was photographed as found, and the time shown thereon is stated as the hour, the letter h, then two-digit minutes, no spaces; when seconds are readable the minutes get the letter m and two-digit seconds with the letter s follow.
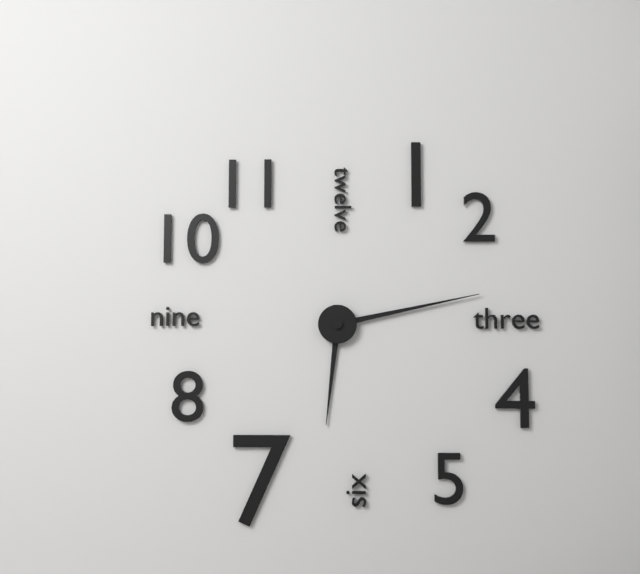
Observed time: 6h13
